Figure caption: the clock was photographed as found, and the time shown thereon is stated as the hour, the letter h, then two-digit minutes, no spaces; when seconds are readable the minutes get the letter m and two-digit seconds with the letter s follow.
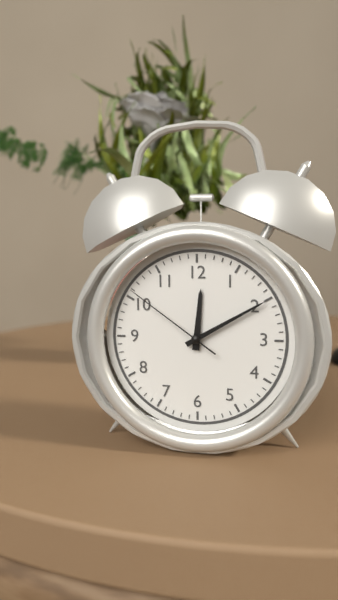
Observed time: 12h10m51s
